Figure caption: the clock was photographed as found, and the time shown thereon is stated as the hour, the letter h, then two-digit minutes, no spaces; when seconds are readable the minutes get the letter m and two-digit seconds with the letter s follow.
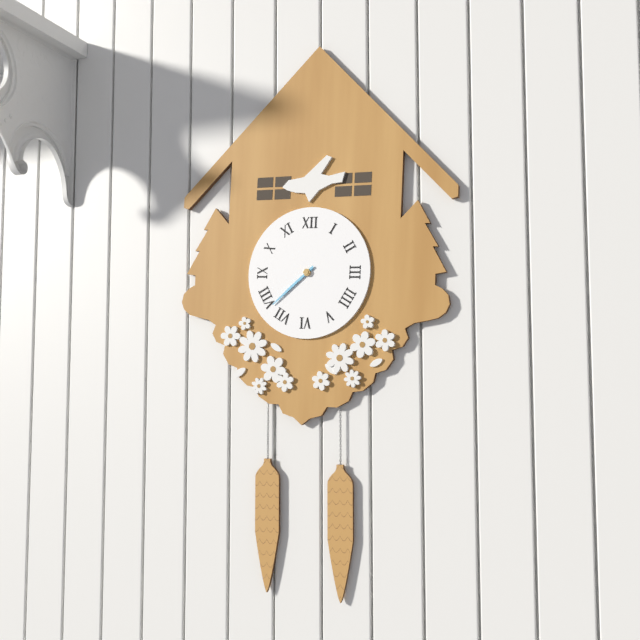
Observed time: 7h38
